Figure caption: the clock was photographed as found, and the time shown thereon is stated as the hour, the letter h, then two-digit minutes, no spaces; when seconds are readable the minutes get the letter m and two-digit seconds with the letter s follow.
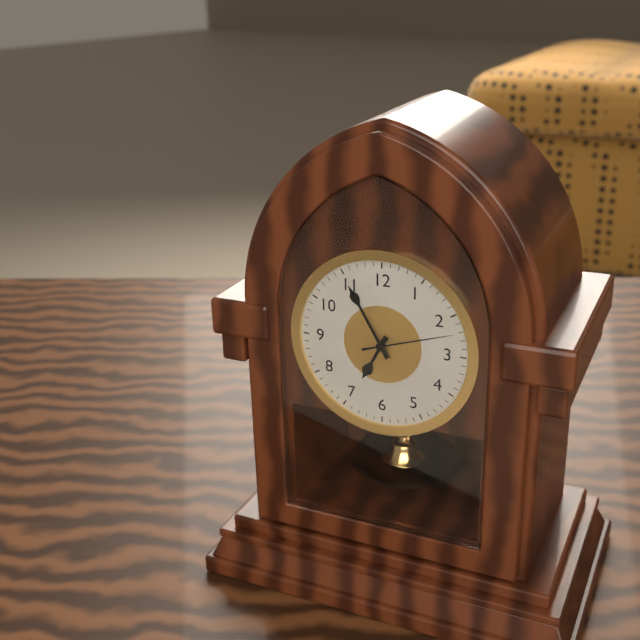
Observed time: 6h55m12s
